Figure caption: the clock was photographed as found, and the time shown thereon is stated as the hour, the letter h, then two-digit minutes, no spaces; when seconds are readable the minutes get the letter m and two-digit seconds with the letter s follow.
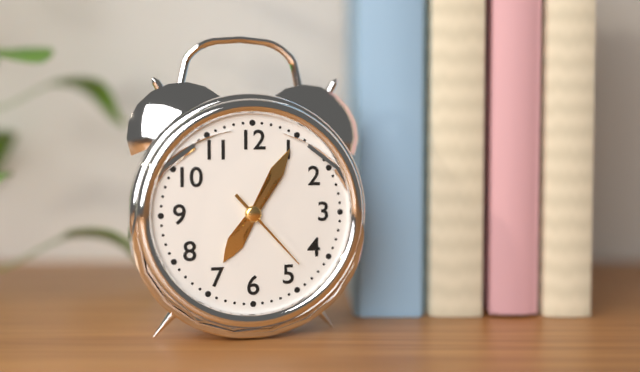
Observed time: 7h05m23s
